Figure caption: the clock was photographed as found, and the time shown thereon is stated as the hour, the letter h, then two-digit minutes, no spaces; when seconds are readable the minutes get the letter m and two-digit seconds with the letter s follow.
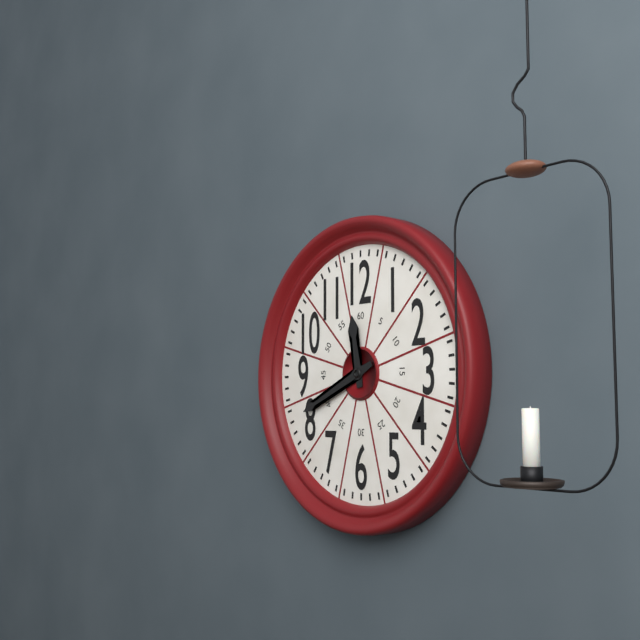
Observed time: 11h41
